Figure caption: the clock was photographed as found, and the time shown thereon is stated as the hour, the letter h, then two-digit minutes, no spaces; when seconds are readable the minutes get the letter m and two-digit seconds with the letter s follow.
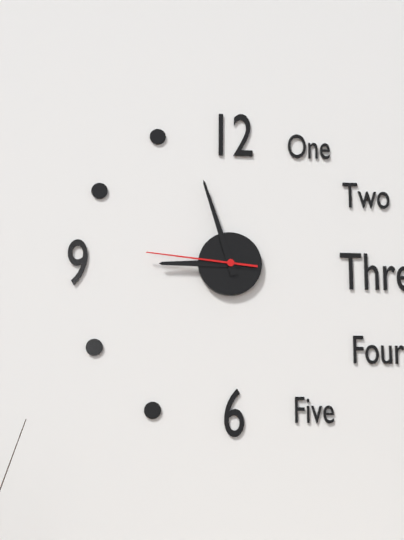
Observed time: 8h57m46s
